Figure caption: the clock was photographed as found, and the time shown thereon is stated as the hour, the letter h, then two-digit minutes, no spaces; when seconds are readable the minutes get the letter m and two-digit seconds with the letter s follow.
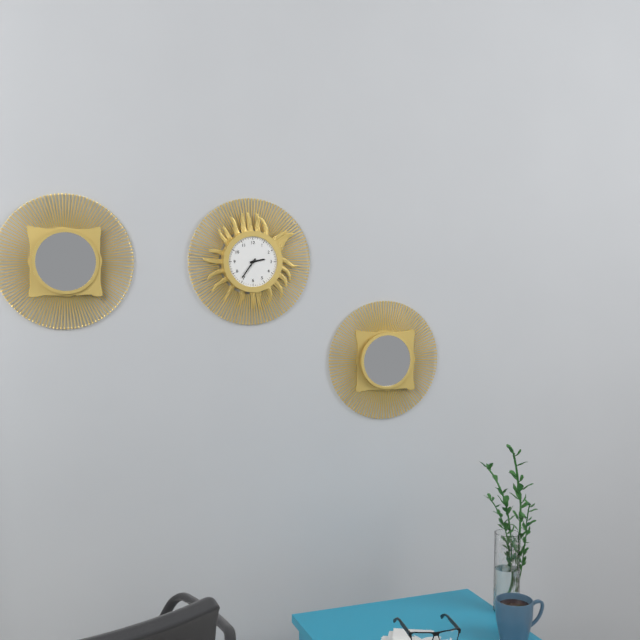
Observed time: 2h36
